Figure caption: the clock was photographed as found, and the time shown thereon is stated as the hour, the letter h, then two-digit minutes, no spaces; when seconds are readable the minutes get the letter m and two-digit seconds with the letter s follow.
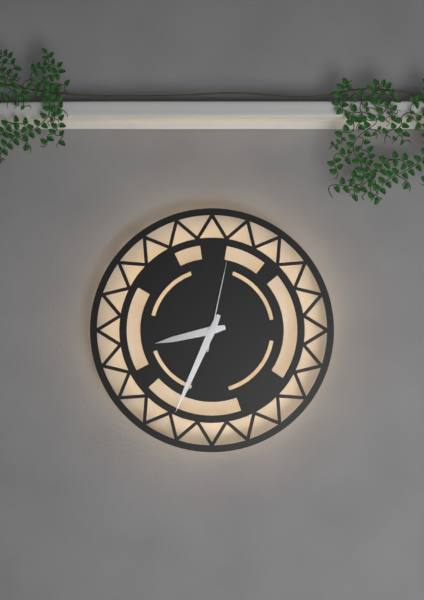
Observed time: 8h34m02s
